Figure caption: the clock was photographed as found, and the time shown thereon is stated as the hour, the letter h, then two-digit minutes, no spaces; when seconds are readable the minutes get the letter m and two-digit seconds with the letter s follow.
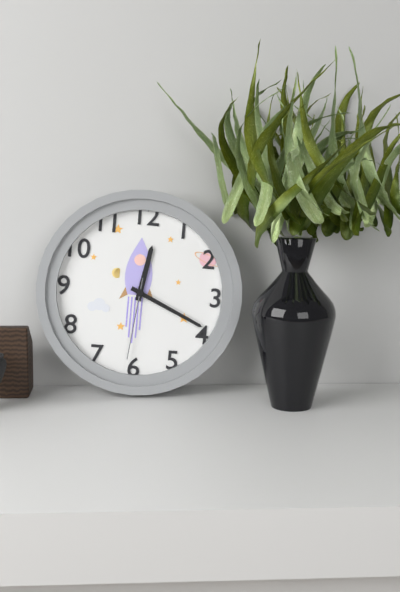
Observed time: 12h19m31s
